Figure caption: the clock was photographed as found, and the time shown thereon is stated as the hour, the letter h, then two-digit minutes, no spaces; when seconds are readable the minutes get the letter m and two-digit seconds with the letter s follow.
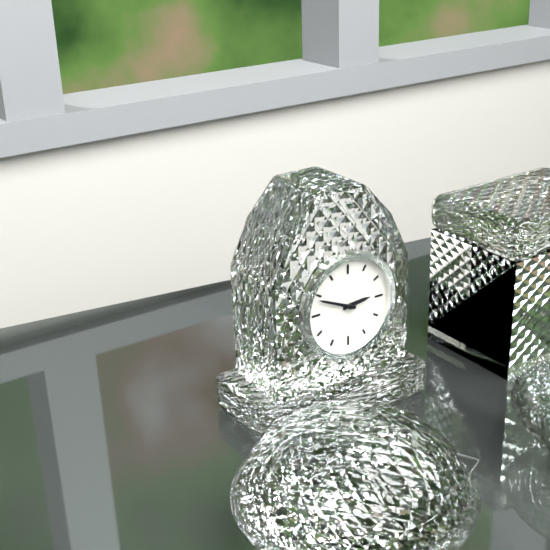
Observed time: 2h49
